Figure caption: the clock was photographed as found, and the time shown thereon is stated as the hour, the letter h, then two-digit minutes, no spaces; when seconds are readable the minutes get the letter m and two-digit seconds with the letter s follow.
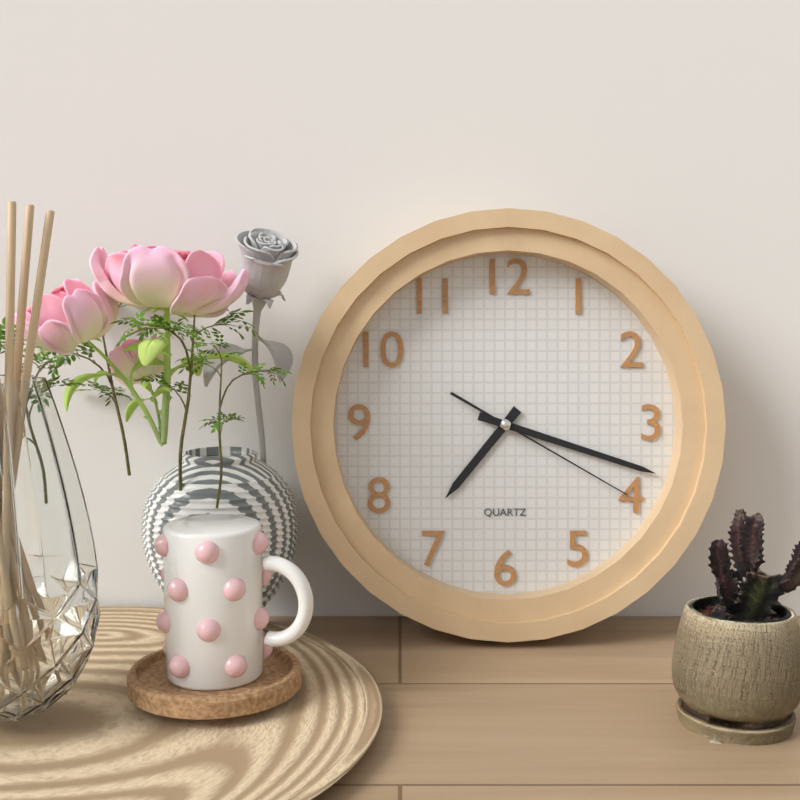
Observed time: 7h18m20s
